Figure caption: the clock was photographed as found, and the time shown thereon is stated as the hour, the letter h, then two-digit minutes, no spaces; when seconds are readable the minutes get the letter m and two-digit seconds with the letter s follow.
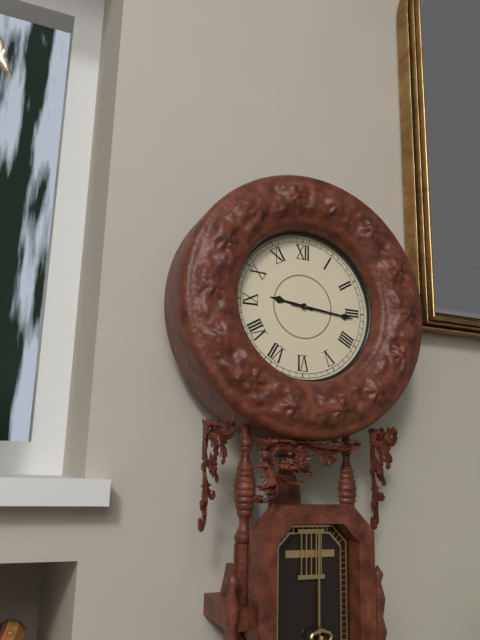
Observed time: 9h16
